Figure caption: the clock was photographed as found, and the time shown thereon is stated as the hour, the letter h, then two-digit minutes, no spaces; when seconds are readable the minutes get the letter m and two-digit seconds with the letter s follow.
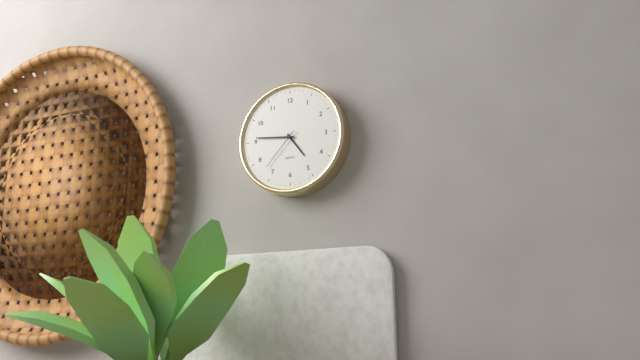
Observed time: 4h46
